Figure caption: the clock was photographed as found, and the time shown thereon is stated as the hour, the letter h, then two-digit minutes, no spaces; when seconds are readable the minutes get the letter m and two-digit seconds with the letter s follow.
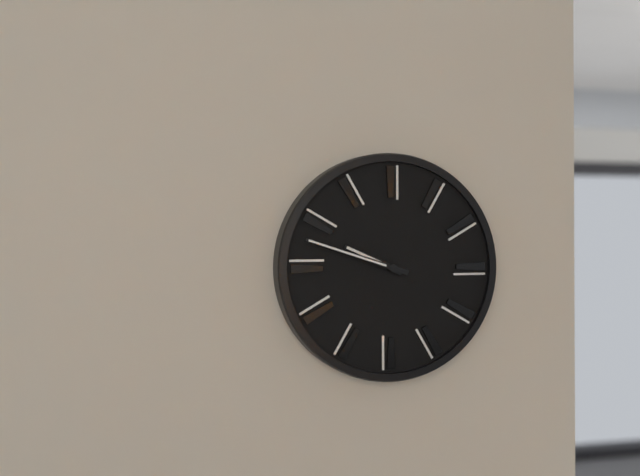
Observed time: 9h48
